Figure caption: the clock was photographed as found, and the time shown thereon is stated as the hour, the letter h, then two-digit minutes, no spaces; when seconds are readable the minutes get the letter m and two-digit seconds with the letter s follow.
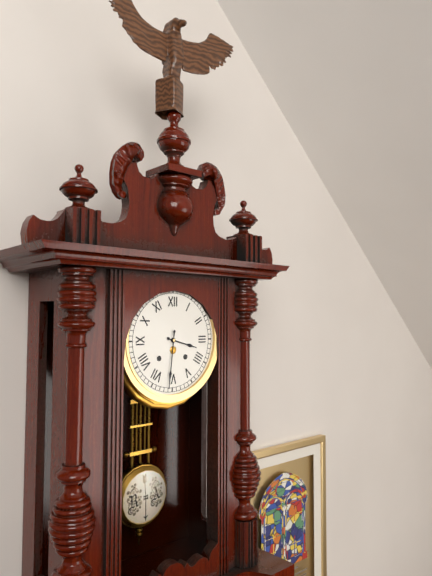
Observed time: 3h31
